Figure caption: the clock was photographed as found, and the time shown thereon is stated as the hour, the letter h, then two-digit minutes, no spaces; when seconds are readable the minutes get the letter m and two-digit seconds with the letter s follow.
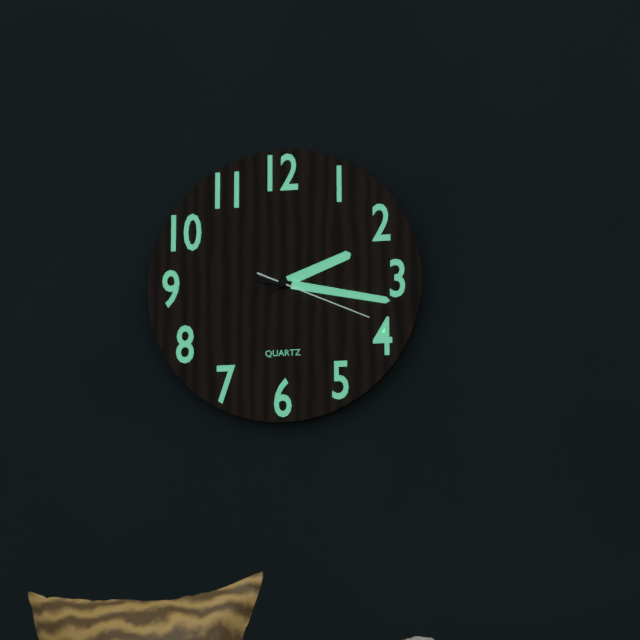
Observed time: 2h17m19s
